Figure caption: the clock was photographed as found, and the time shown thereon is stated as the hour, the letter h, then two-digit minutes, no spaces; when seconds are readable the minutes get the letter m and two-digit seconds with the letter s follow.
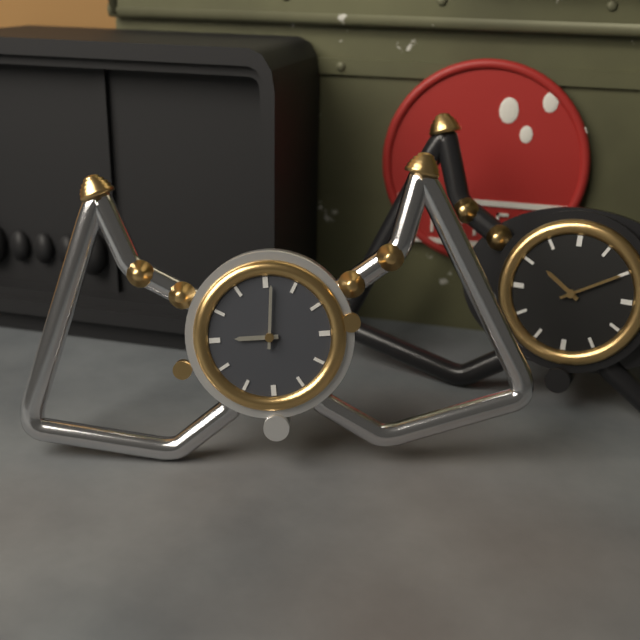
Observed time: 9h01
